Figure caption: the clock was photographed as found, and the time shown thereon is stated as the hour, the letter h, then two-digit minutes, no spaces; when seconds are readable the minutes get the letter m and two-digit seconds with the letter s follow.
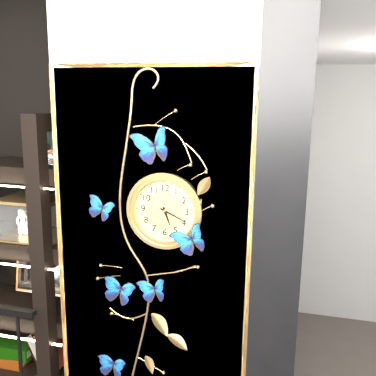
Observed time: 5h19
